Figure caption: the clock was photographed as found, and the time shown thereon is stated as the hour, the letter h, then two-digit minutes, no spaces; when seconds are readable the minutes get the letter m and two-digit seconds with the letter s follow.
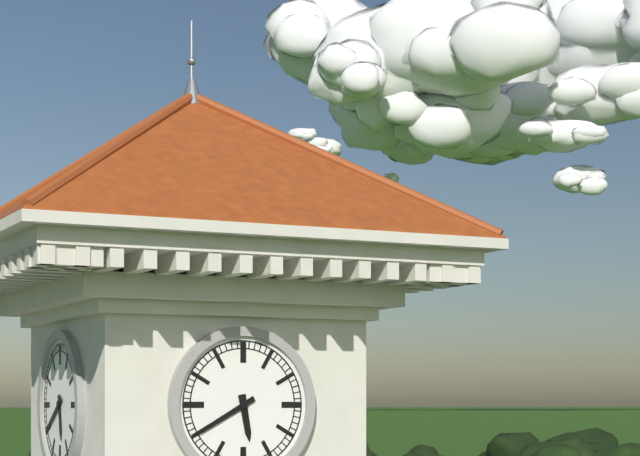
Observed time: 5h40
